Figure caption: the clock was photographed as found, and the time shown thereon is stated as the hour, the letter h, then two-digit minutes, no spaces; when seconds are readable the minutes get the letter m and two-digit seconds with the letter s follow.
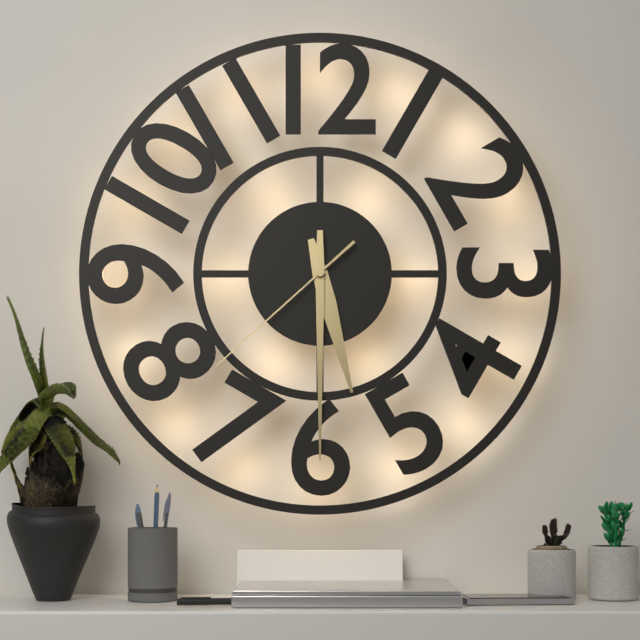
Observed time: 5h30m38s
